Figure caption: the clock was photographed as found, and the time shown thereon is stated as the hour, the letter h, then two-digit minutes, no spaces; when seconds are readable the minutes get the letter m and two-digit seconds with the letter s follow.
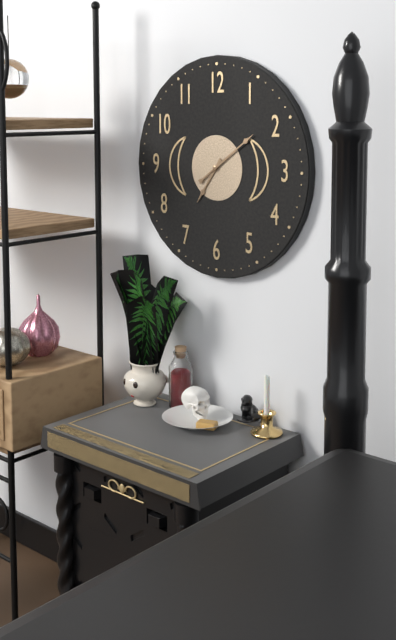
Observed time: 7h09
